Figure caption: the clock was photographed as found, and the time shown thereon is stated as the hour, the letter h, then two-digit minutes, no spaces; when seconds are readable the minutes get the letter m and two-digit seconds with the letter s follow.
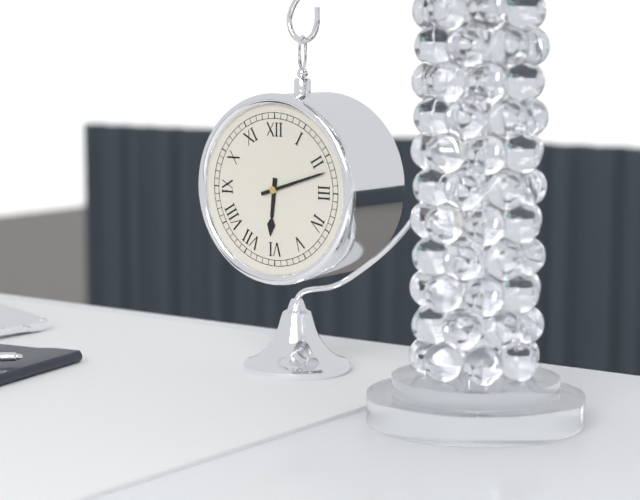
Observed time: 6h12
